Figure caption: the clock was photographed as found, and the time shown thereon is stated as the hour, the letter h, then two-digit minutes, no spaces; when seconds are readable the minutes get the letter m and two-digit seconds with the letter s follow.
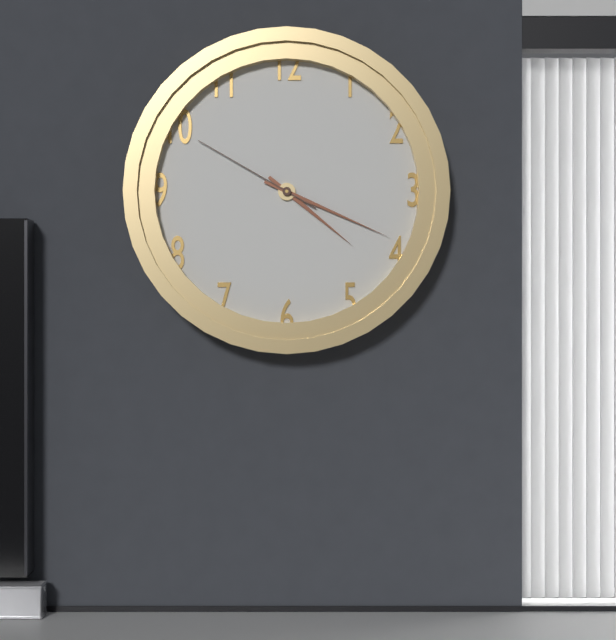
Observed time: 4h19m50s
